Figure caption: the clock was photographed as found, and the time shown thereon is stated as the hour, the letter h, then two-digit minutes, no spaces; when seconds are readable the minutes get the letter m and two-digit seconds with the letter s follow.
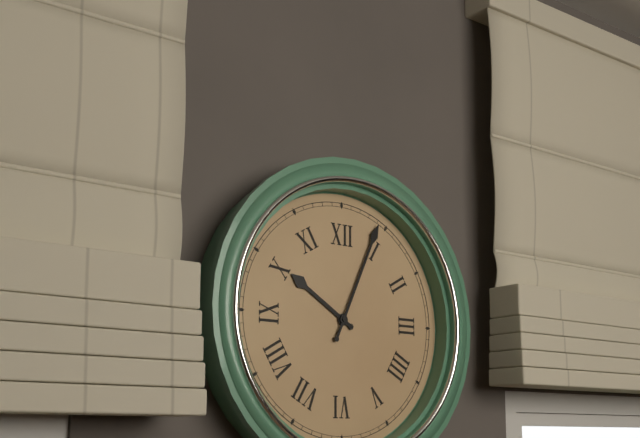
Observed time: 10h04
